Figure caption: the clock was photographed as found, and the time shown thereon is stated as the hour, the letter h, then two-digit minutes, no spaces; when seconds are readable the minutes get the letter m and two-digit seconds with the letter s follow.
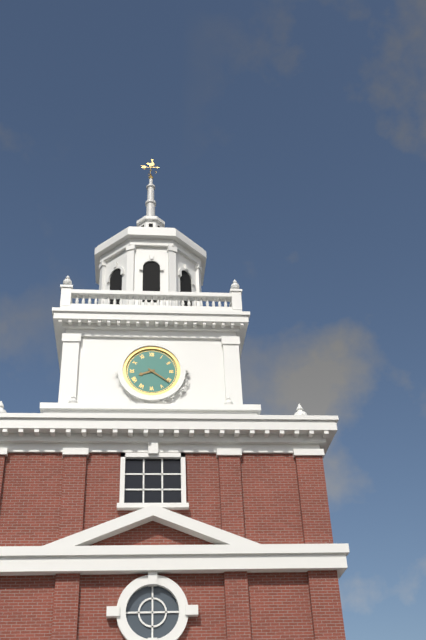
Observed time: 8h21
